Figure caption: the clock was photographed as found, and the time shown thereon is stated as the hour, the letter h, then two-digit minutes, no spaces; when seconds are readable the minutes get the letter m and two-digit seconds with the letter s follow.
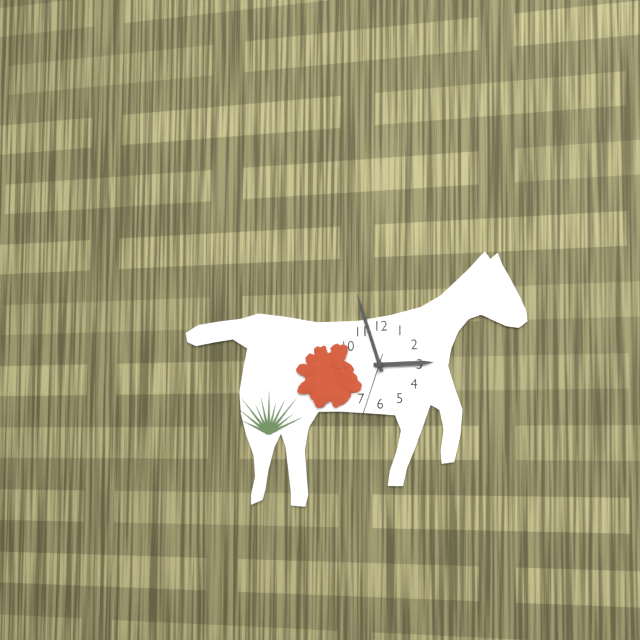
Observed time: 2h57m33s
